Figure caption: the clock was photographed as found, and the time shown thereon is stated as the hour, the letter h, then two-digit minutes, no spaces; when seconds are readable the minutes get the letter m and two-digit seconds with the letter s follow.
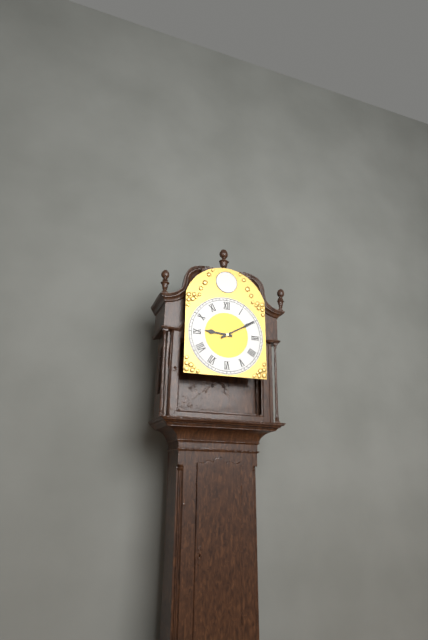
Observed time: 9h10
